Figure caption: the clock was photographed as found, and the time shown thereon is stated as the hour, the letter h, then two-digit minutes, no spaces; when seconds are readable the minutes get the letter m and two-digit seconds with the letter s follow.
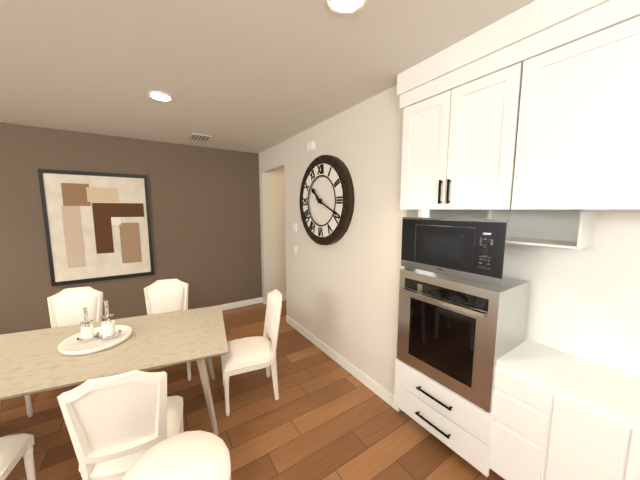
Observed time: 10h19
